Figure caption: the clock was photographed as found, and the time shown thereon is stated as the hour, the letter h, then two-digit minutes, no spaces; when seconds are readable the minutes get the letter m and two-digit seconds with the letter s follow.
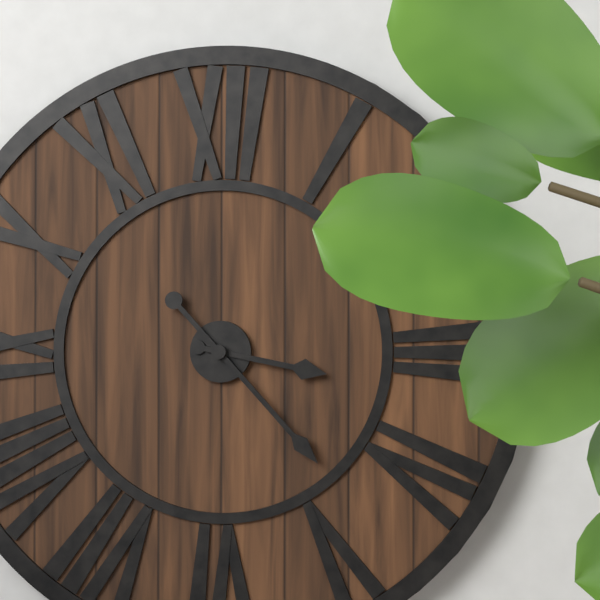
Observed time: 3h23
